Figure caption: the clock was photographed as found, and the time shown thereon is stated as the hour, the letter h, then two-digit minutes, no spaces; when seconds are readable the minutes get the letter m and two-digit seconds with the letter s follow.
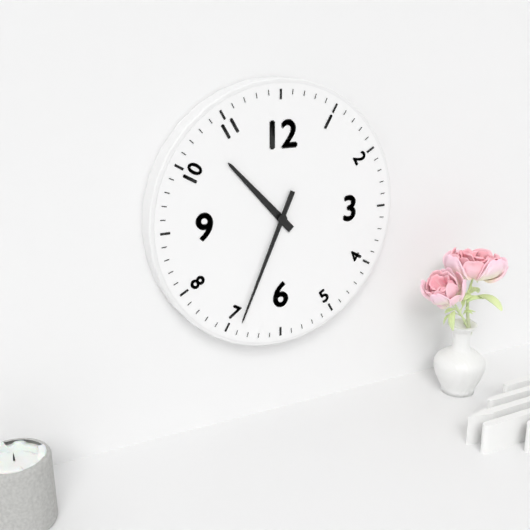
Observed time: 10h34
